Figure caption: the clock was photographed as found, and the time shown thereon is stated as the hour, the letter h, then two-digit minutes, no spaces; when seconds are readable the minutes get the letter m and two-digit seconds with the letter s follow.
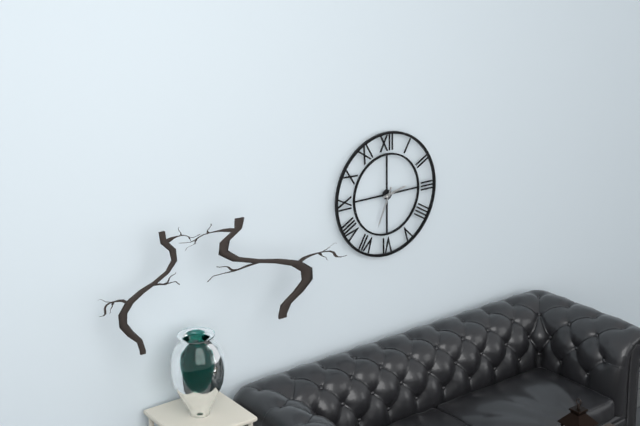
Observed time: 2h34
